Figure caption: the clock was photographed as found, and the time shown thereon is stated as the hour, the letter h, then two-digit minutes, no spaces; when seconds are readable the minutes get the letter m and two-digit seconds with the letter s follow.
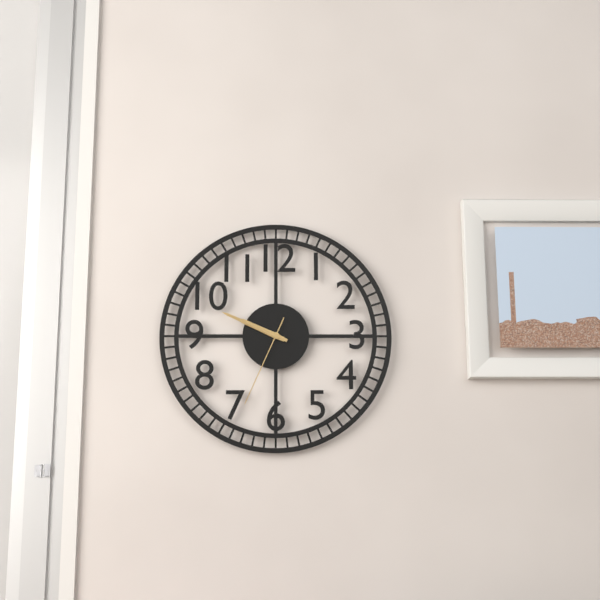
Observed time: 9h49m34s
